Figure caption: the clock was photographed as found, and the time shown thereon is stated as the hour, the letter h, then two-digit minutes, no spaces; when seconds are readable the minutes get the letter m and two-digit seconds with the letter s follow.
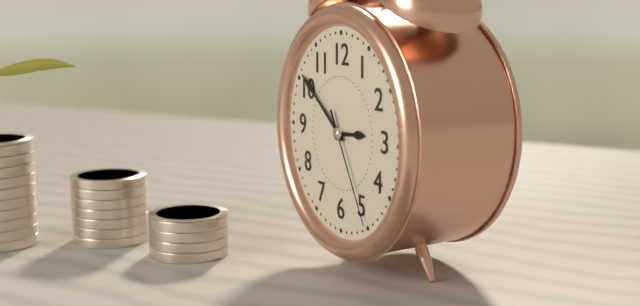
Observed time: 2h51m25s
